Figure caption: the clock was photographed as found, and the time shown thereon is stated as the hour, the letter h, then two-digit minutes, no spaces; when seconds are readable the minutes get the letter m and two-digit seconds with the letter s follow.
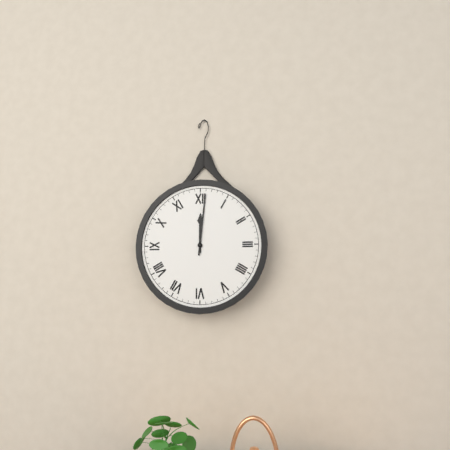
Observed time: 12h01
